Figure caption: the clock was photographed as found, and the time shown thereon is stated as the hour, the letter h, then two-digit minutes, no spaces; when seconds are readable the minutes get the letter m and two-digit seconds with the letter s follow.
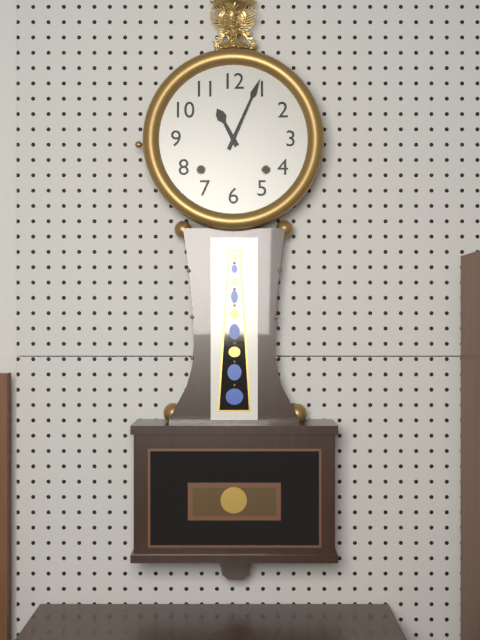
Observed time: 11h04
